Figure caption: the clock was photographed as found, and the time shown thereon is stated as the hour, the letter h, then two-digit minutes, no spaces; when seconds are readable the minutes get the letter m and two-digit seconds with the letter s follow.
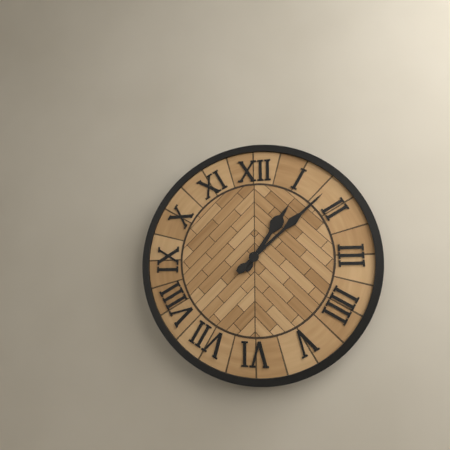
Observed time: 1h08
